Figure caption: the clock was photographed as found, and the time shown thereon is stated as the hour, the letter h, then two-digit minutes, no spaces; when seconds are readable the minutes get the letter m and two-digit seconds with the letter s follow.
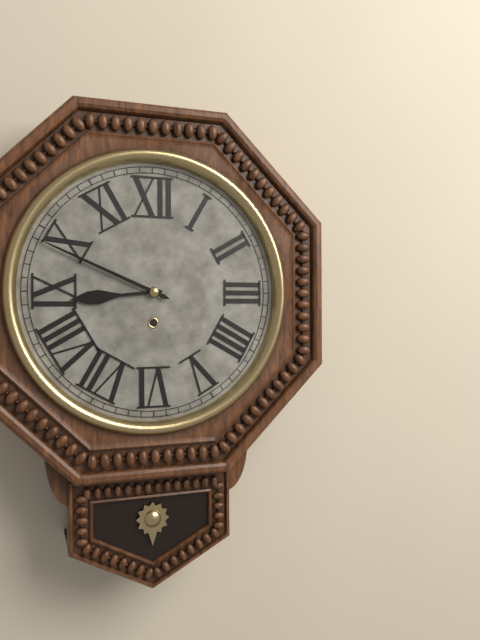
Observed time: 8h49
